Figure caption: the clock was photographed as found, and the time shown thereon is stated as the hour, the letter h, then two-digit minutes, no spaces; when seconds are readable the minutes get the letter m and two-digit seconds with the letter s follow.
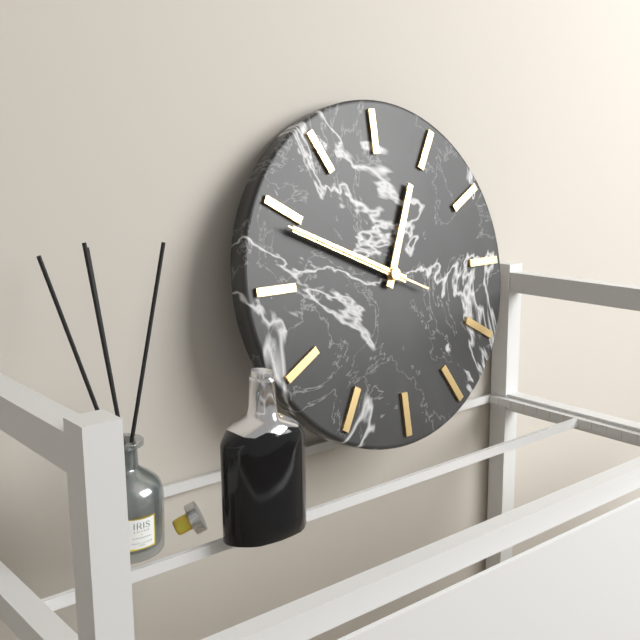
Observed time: 12h49m49s
